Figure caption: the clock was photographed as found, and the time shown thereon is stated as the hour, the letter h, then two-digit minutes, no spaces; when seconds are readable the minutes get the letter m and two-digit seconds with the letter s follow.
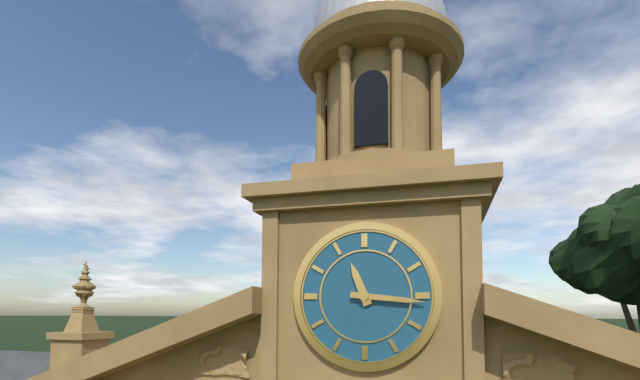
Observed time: 11h16
